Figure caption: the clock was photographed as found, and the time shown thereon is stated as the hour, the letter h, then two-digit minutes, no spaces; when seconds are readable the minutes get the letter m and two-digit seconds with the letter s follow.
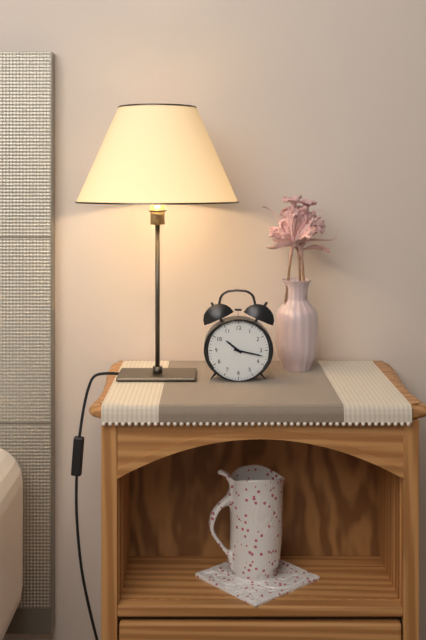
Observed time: 10h17
